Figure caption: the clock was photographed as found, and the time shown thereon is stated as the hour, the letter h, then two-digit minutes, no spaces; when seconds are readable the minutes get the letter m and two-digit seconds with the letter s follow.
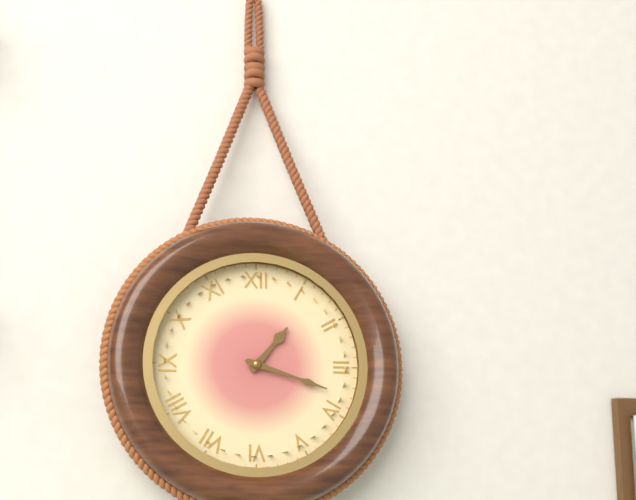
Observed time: 1h18
